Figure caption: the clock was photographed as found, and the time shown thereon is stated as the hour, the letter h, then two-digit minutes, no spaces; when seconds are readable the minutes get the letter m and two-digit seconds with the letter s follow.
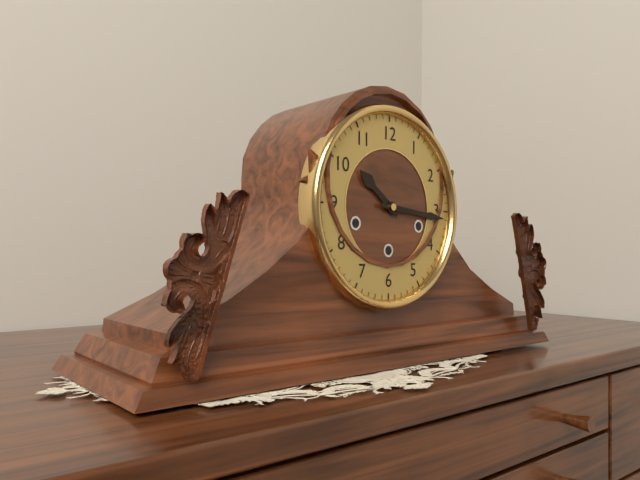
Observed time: 10h16
